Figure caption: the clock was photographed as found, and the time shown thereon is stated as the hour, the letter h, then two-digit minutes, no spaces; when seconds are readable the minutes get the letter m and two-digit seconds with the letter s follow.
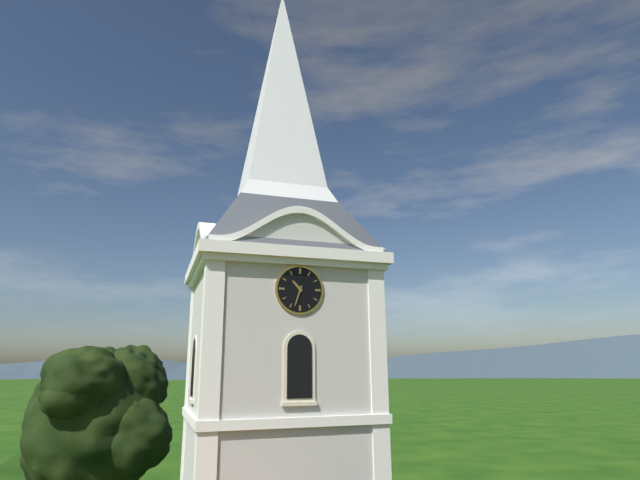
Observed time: 10h33
